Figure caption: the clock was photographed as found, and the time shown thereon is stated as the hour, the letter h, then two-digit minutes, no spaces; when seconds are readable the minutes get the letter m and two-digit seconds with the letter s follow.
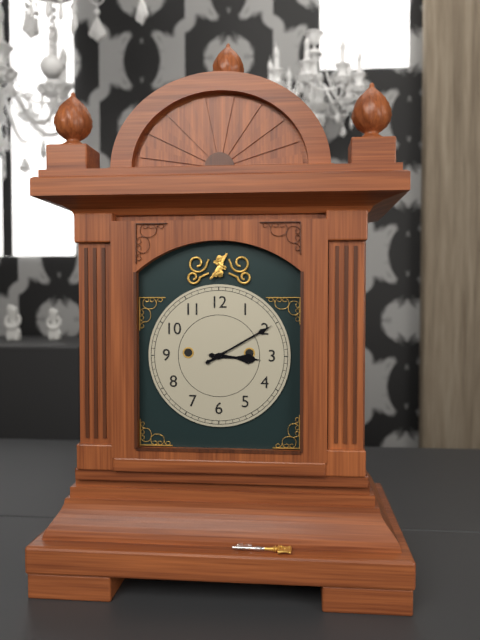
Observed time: 3h10
